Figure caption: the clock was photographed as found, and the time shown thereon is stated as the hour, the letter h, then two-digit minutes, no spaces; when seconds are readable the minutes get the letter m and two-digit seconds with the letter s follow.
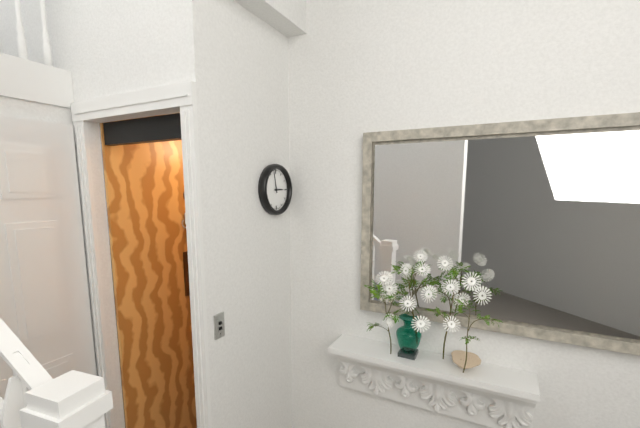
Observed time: 2h58
